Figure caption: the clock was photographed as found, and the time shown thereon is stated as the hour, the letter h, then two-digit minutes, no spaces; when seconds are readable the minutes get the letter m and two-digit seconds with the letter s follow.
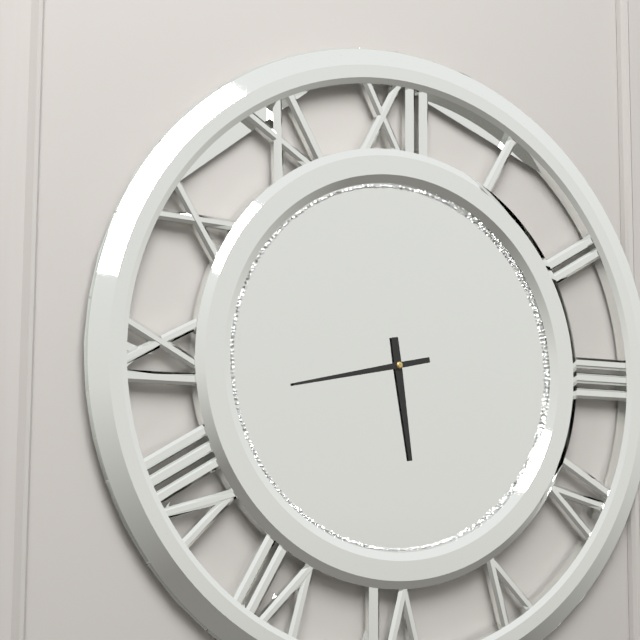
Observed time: 5h43
